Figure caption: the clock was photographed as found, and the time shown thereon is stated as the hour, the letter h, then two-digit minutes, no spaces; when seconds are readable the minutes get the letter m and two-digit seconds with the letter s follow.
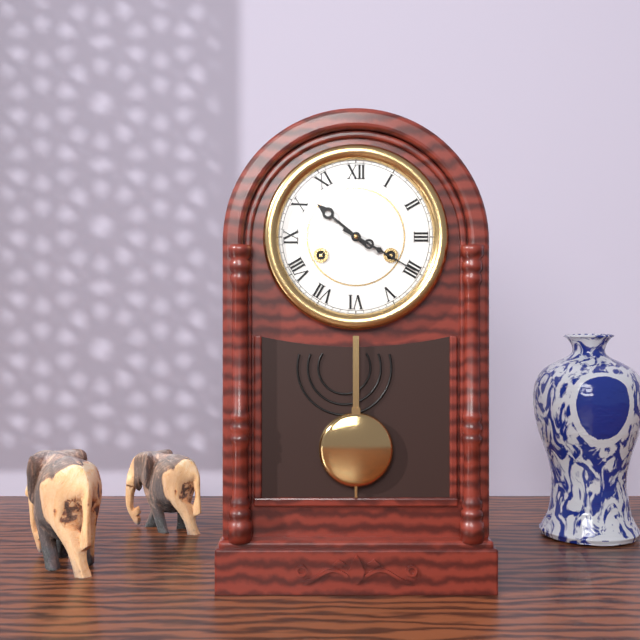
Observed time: 10h20
